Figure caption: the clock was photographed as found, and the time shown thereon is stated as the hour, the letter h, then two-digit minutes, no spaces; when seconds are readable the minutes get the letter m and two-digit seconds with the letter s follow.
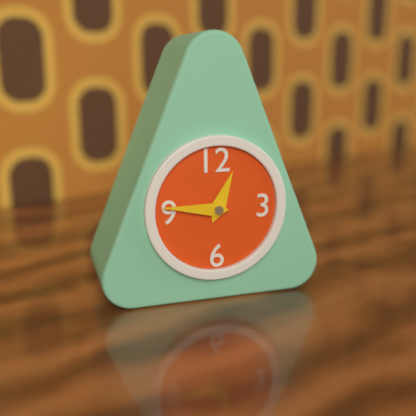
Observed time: 12h46
